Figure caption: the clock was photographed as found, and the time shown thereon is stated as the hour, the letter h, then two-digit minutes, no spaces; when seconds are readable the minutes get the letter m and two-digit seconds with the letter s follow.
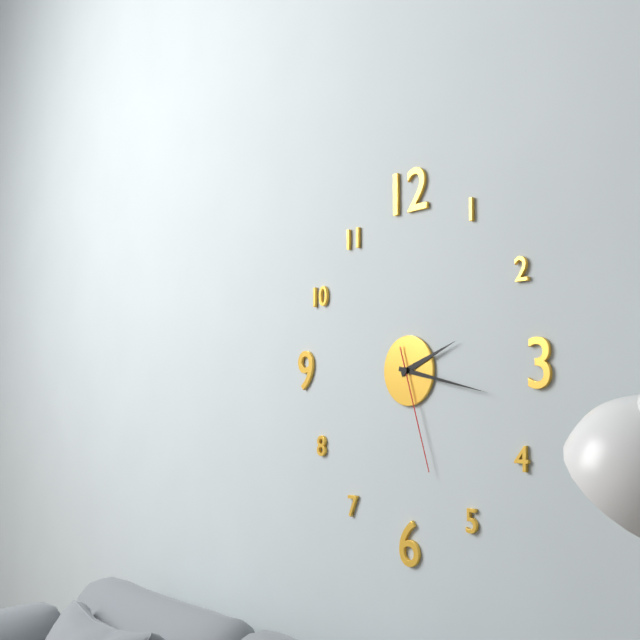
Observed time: 2h17m27s
